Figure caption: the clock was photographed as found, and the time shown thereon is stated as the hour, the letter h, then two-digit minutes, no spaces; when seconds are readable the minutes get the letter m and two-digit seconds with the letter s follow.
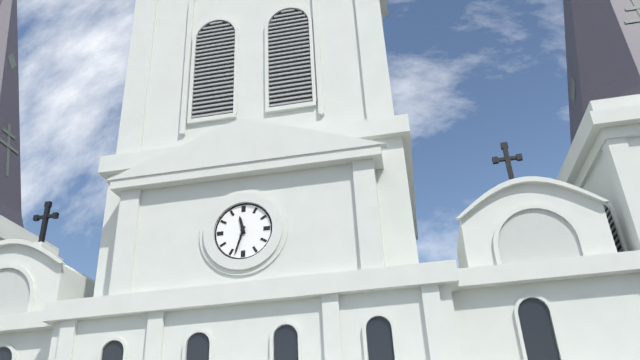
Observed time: 11h33
